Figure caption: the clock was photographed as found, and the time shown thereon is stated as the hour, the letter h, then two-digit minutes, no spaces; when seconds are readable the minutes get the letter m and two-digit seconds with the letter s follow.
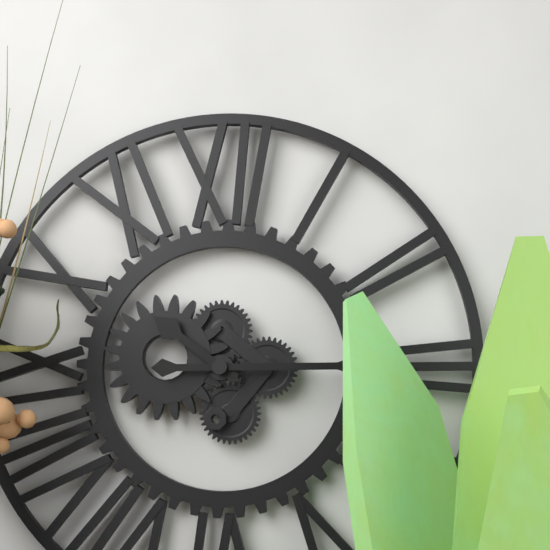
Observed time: 10h15
